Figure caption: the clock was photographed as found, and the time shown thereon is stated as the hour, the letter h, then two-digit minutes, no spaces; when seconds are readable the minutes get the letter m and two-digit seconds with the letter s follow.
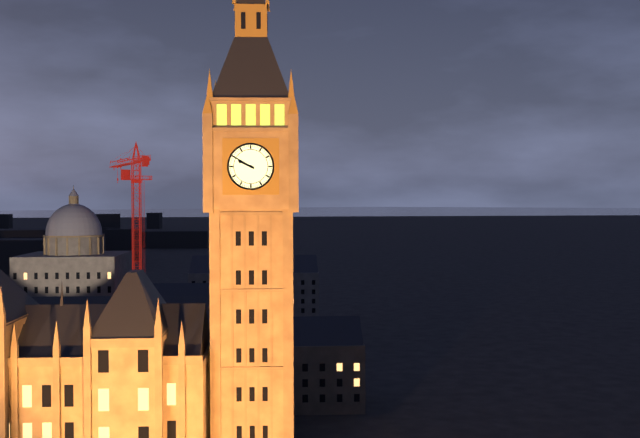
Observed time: 9h50
